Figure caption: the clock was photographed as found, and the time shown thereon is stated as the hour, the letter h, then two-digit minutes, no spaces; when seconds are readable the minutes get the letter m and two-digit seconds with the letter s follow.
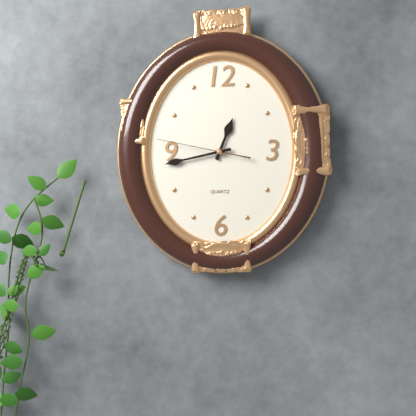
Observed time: 12h43m47s
